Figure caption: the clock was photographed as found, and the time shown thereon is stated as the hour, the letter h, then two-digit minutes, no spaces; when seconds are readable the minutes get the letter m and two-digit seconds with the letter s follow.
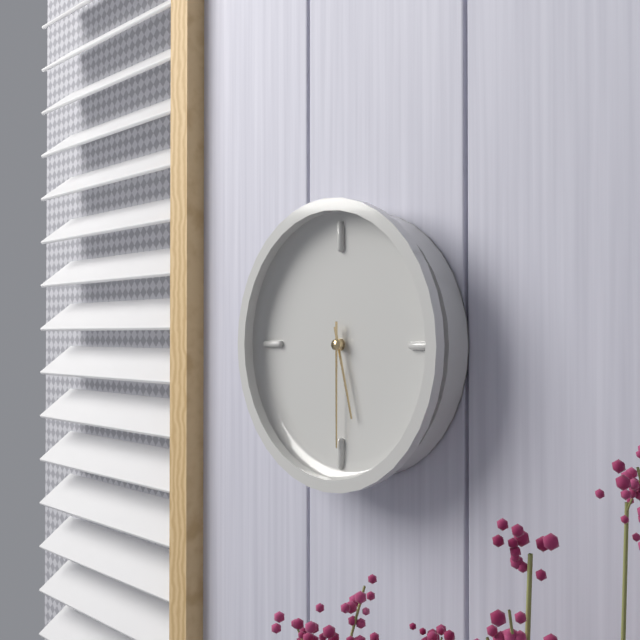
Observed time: 5h30
